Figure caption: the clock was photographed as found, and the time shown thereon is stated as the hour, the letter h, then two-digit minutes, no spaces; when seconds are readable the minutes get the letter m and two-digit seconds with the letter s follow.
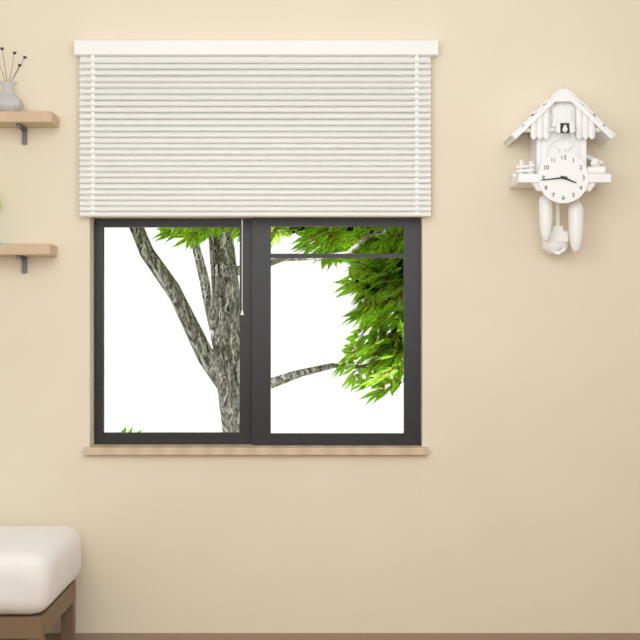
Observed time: 3h44
